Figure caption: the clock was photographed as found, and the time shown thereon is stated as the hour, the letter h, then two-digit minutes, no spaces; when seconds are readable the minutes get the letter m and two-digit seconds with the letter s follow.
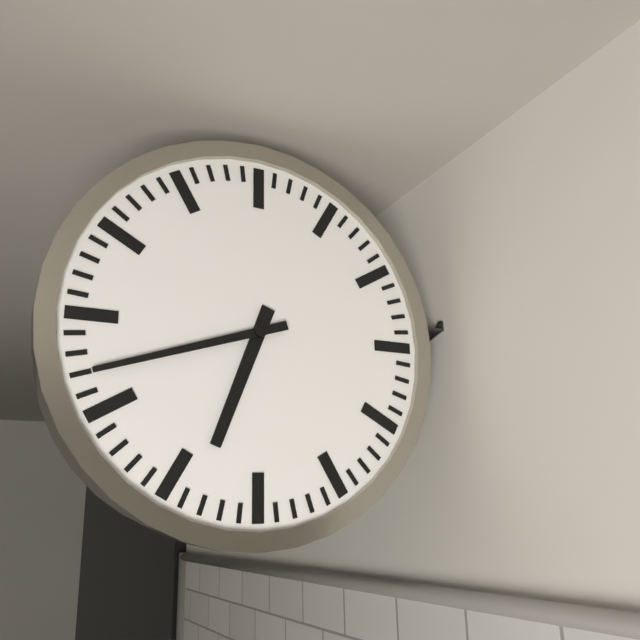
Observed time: 6h42
